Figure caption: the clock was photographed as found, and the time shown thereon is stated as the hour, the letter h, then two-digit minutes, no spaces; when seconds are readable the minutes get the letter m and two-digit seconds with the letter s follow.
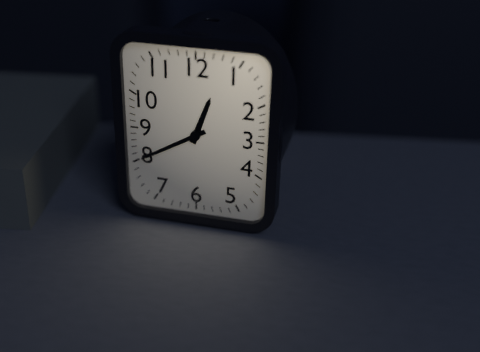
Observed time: 12h40
